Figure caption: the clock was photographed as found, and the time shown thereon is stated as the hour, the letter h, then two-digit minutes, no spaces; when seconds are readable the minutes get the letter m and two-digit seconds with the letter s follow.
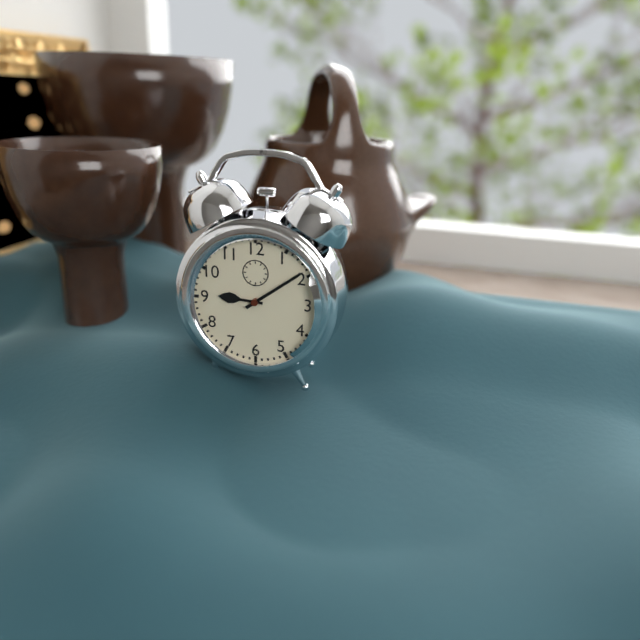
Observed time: 9h09
